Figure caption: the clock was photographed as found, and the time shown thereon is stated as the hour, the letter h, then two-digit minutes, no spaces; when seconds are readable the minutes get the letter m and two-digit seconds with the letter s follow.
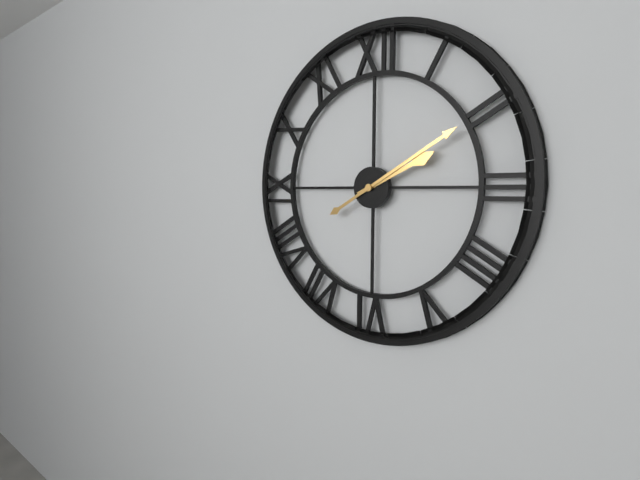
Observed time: 2h10
